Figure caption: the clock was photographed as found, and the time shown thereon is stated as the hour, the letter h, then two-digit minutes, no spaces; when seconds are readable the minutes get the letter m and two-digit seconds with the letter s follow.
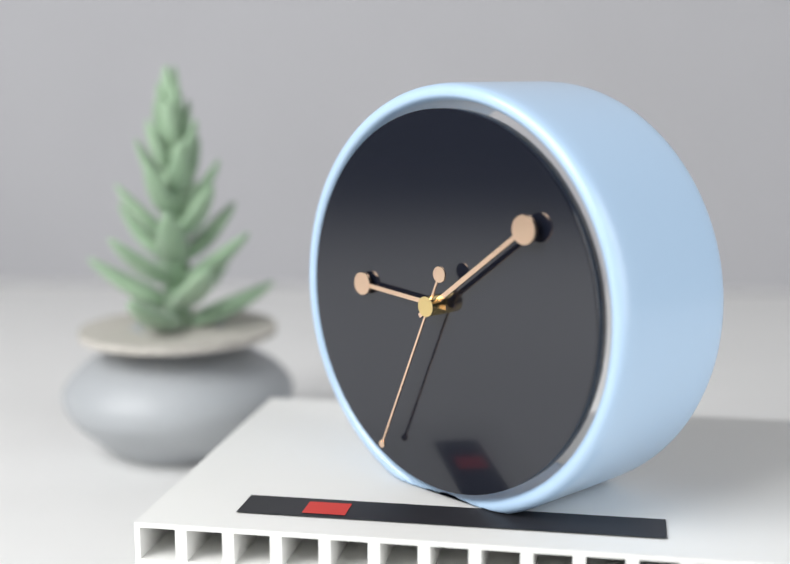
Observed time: 9h09m34s
